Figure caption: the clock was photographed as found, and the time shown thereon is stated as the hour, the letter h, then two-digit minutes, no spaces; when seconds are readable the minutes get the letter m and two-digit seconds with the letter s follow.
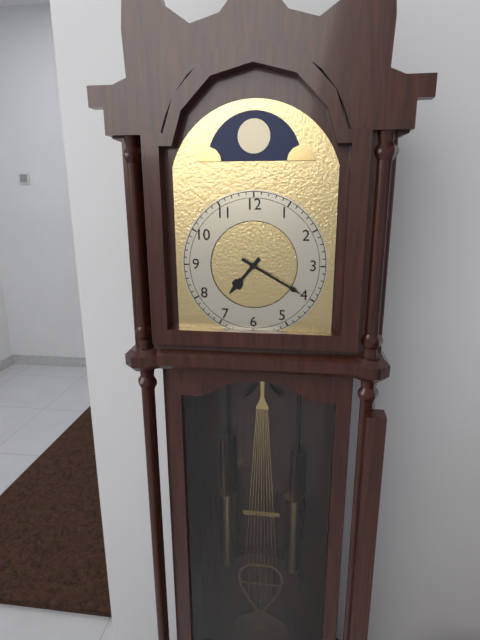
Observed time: 7h20
